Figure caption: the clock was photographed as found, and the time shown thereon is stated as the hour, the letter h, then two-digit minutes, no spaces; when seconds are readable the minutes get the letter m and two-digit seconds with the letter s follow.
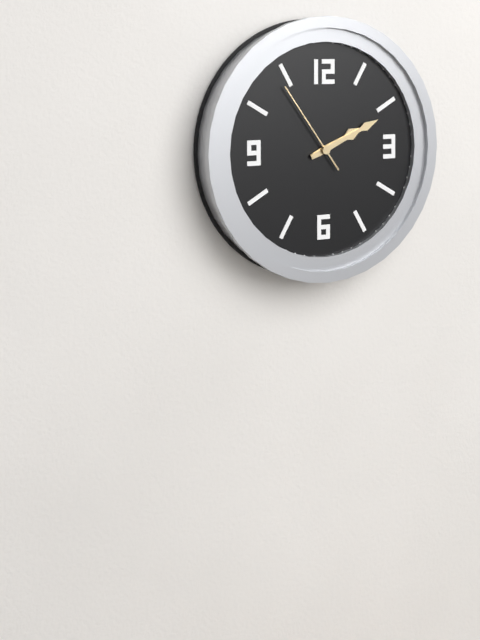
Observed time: 2h11m54s
